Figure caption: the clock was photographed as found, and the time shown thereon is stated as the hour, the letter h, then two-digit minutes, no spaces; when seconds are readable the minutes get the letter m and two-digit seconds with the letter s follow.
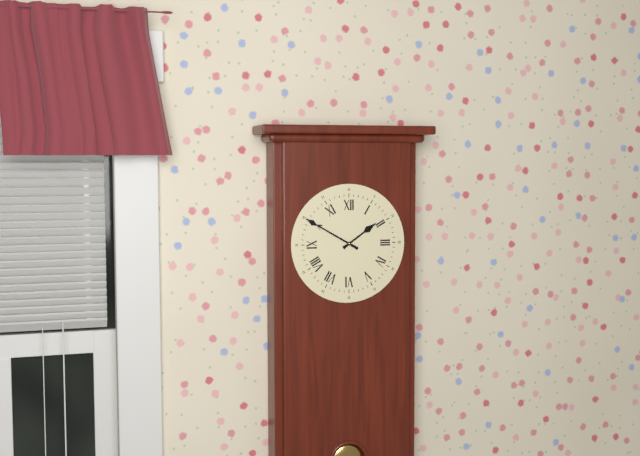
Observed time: 1h50
